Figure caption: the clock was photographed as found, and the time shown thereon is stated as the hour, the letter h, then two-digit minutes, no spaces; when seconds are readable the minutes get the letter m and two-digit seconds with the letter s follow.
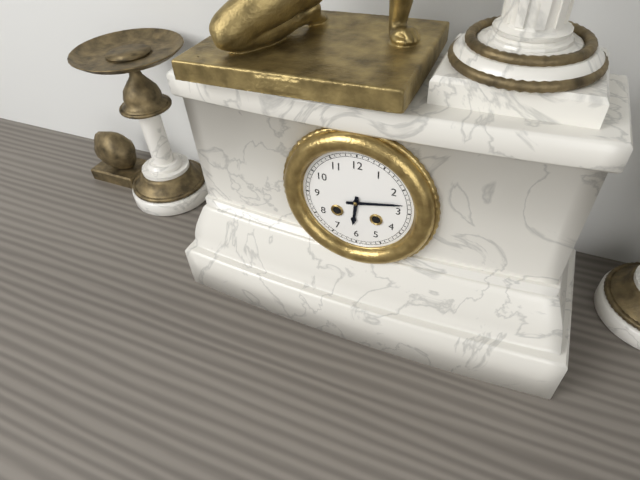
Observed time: 6h13
